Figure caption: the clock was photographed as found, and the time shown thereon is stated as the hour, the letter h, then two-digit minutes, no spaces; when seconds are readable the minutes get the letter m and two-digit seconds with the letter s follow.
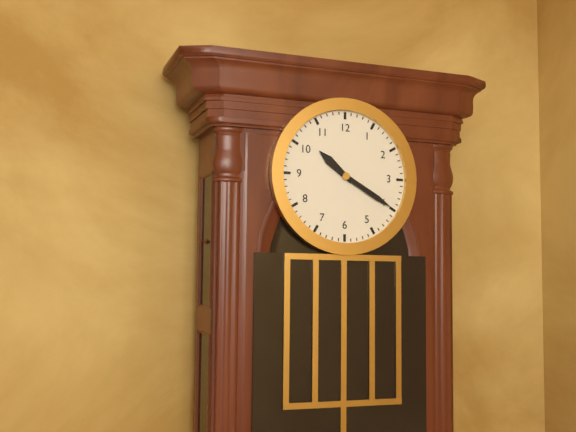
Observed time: 10h20
